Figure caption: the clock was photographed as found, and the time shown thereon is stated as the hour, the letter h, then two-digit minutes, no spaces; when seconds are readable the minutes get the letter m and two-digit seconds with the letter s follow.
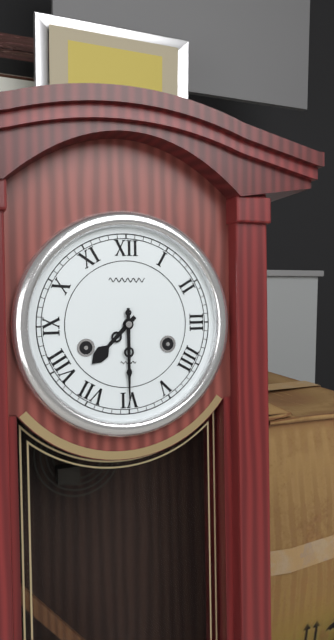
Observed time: 7h30
